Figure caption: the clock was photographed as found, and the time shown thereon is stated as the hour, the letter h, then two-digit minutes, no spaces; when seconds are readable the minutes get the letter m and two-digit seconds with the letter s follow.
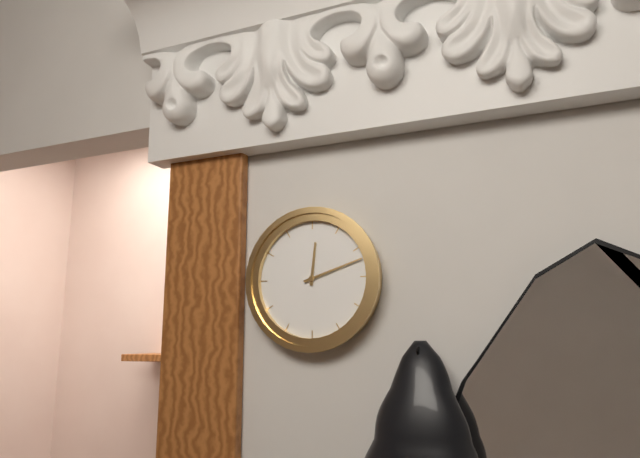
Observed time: 12h12
